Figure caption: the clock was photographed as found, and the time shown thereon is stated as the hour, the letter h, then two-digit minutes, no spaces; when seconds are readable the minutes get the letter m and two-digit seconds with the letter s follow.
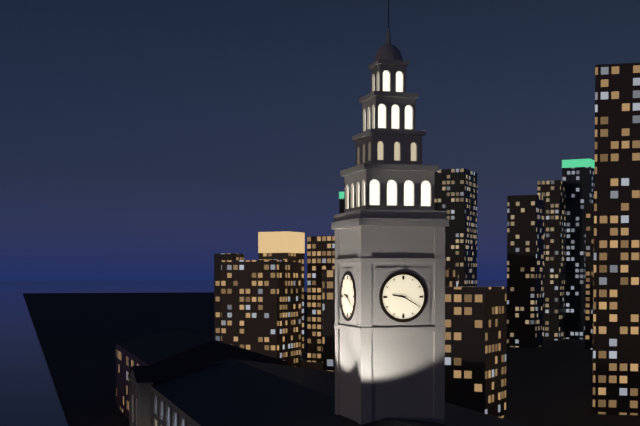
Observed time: 9h20
